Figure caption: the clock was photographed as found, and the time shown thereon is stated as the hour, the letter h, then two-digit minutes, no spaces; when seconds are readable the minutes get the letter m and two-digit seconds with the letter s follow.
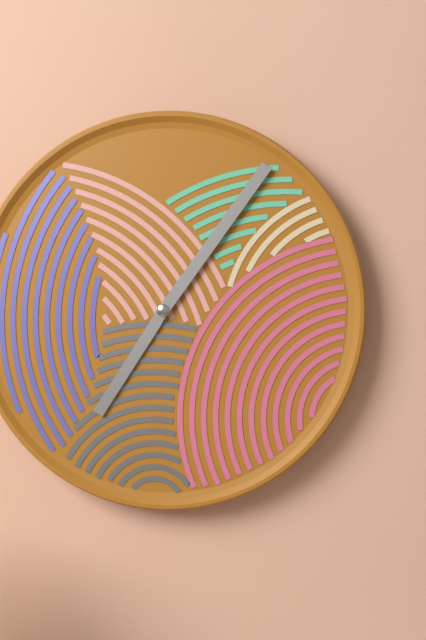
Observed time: 7h06
